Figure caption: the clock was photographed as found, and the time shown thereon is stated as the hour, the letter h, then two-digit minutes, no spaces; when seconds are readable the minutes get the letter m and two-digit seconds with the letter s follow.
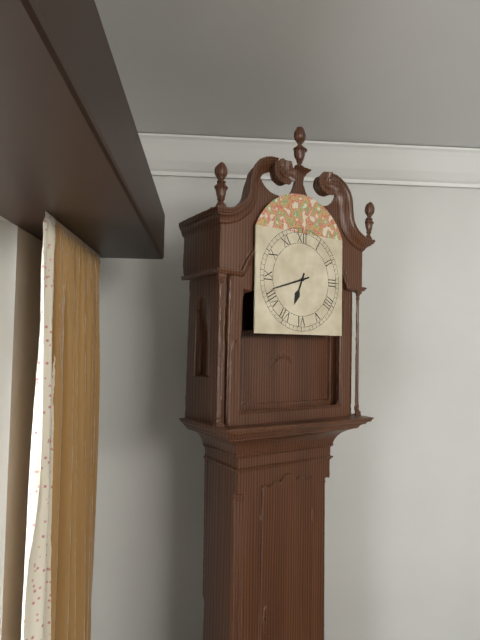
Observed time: 6h42
